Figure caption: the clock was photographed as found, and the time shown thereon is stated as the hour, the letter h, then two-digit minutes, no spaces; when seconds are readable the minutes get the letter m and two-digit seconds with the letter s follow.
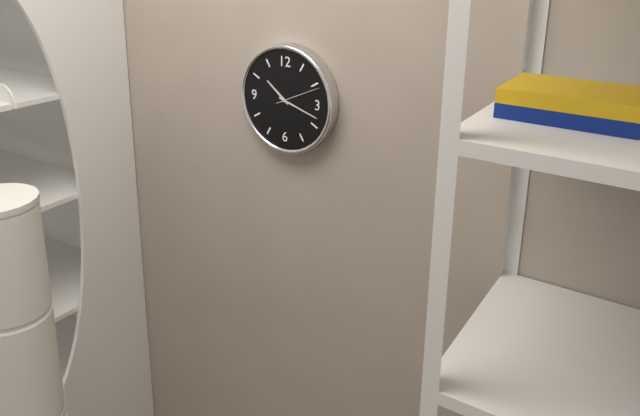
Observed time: 10h18
